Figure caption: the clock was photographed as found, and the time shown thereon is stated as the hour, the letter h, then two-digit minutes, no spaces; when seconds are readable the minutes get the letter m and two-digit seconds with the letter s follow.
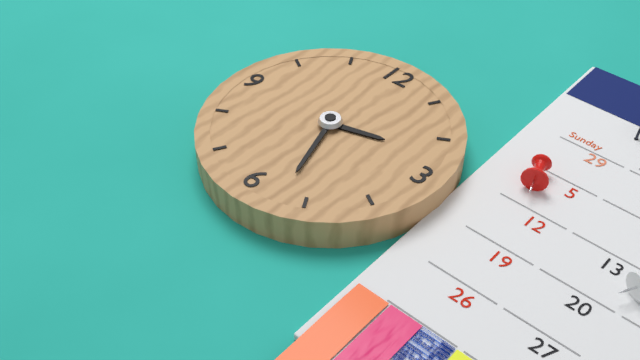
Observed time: 2h27
